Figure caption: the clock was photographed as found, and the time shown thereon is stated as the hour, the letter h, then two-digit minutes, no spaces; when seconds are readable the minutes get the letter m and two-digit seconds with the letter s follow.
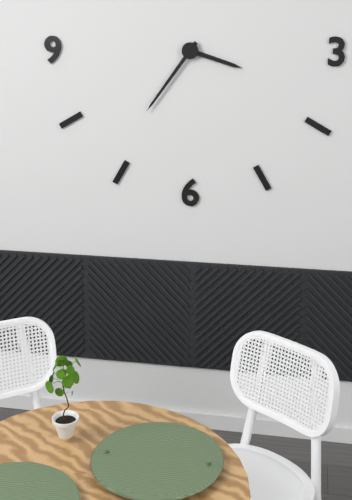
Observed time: 3h36
